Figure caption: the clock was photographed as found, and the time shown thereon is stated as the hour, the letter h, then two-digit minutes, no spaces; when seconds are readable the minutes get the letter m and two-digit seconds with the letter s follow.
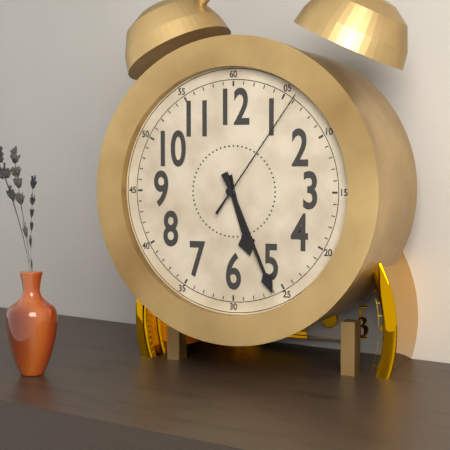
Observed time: 5h26m06s
